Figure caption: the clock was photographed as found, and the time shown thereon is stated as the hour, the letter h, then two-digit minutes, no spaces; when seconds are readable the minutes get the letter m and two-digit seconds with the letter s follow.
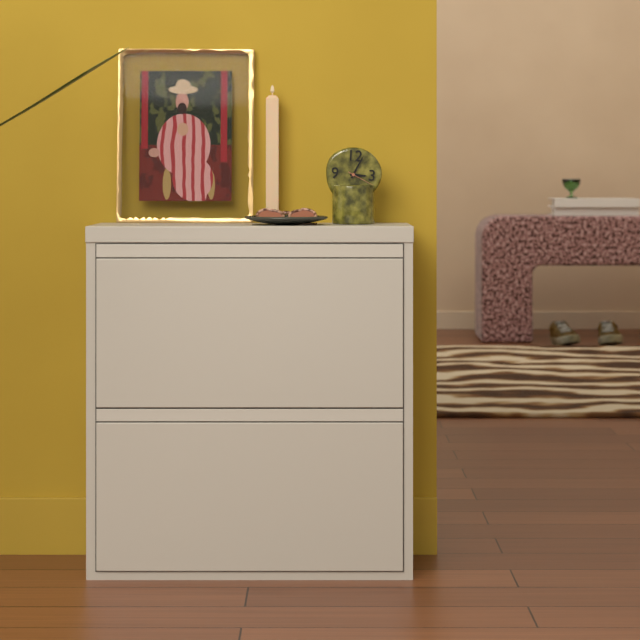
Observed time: 3h04
